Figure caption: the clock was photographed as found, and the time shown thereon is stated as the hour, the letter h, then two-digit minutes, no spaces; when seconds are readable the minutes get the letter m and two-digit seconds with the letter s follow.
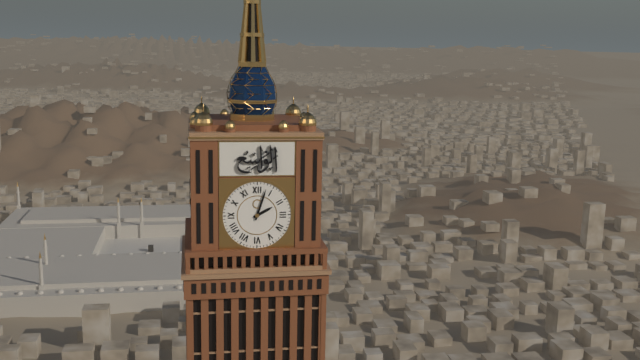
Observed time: 2h03
